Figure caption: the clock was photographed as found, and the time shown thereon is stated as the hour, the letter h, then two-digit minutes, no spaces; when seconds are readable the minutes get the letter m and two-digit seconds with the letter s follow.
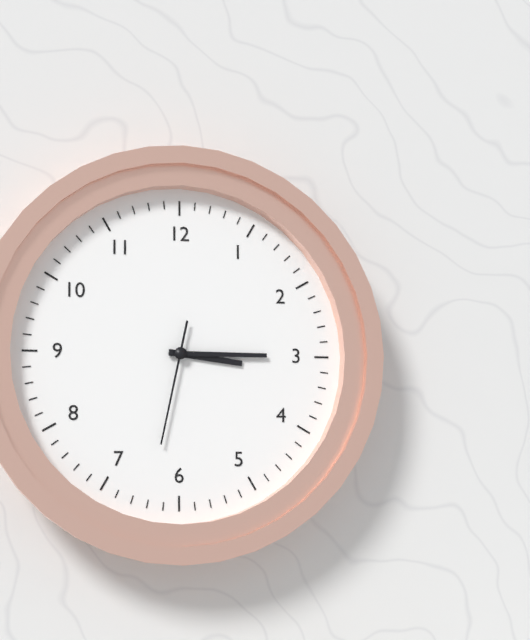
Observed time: 3h15m32s
